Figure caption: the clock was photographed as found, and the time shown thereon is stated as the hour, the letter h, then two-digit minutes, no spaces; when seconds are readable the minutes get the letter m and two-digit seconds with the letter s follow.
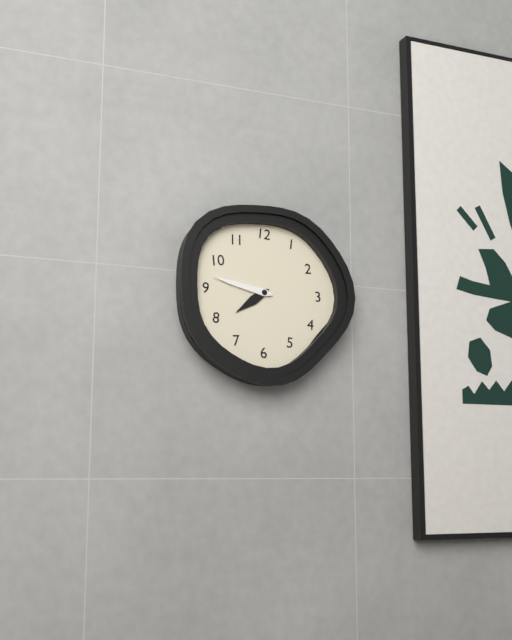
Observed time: 7h47
